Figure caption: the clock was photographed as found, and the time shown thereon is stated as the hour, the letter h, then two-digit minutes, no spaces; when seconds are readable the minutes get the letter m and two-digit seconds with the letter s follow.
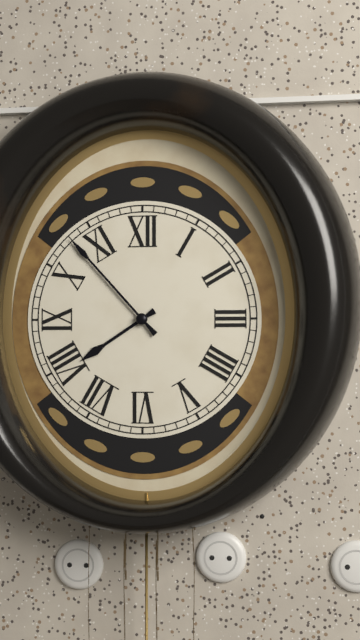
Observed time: 7h53
